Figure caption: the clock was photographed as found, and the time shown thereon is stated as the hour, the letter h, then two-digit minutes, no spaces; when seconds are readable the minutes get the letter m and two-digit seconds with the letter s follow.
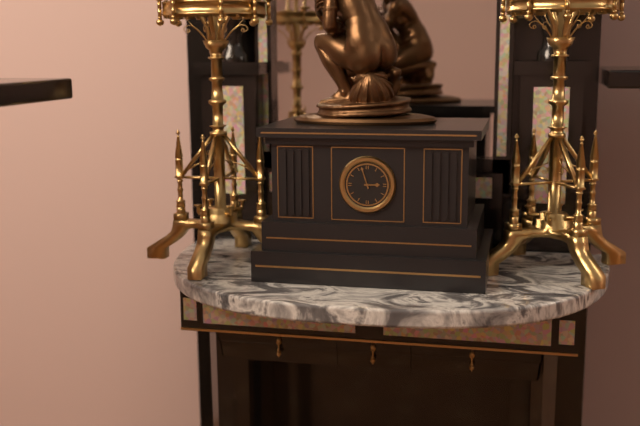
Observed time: 2h57
